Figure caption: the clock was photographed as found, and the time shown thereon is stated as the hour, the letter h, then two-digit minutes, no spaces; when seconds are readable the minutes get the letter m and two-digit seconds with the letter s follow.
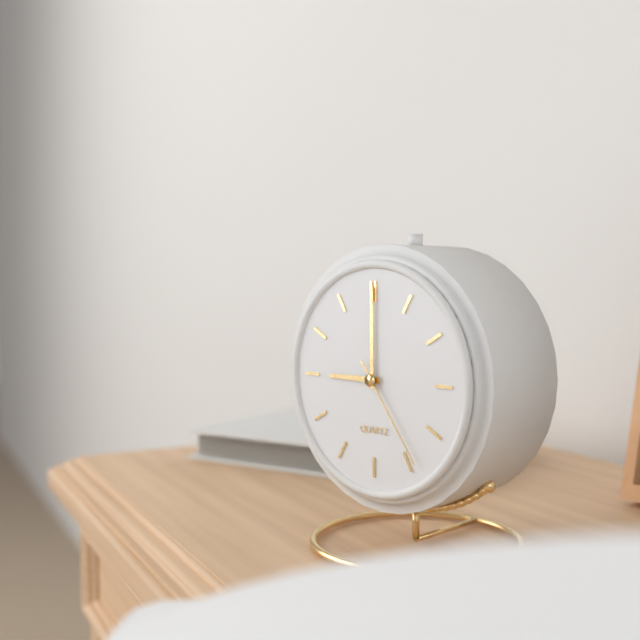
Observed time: 9h00m24s
